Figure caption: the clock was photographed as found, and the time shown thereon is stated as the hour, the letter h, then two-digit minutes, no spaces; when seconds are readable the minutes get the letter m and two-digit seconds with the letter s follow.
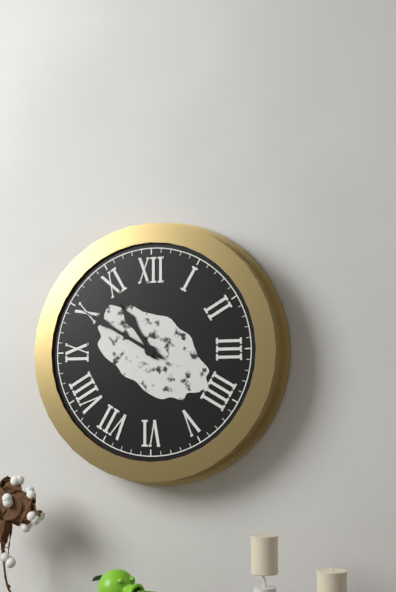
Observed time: 10h50
